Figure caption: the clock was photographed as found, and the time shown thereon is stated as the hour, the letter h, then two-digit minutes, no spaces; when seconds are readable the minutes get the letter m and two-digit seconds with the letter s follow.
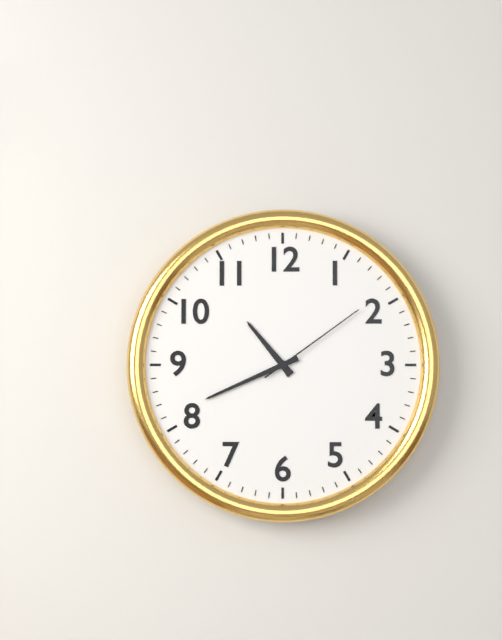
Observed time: 10h41m09s
